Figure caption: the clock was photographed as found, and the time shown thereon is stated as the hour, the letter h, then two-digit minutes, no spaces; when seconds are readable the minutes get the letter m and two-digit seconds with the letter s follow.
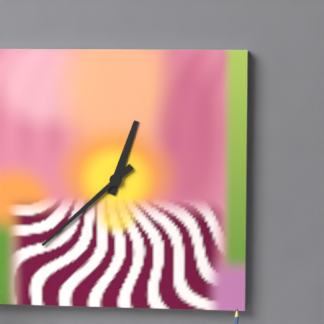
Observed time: 12h38
